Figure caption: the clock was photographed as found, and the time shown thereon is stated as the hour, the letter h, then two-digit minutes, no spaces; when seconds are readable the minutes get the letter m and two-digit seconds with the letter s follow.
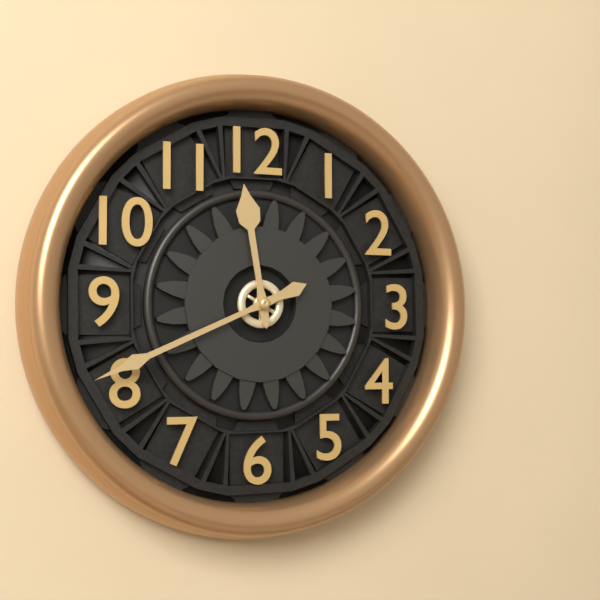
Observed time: 11h41
